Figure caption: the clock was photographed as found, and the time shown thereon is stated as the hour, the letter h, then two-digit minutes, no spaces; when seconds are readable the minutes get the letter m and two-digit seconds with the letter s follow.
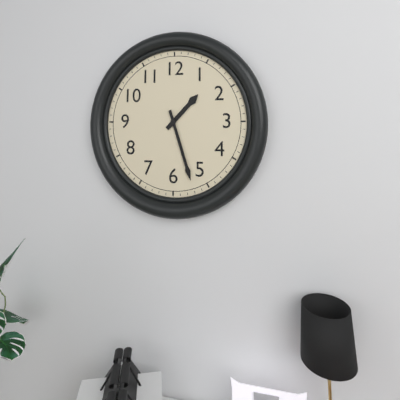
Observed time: 1h27
